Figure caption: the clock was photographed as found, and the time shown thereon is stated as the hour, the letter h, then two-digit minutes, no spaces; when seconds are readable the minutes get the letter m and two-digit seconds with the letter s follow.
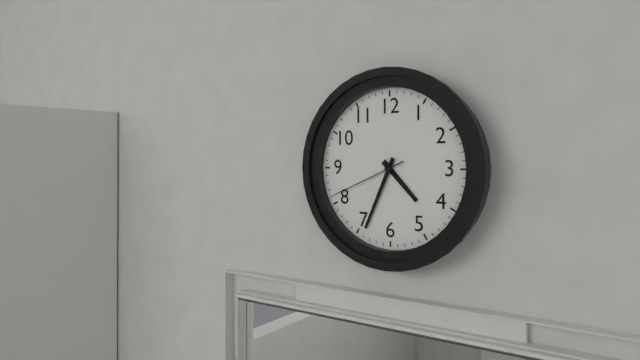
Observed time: 4h34m41s
